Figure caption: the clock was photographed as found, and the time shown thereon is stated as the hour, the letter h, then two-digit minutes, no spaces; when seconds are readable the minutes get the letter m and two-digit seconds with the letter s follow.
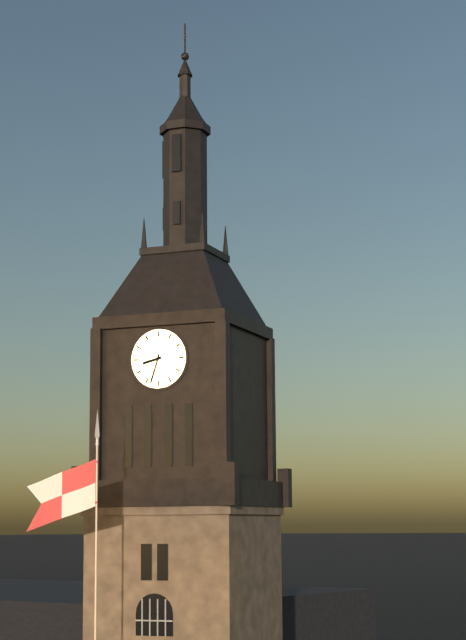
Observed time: 8h33
